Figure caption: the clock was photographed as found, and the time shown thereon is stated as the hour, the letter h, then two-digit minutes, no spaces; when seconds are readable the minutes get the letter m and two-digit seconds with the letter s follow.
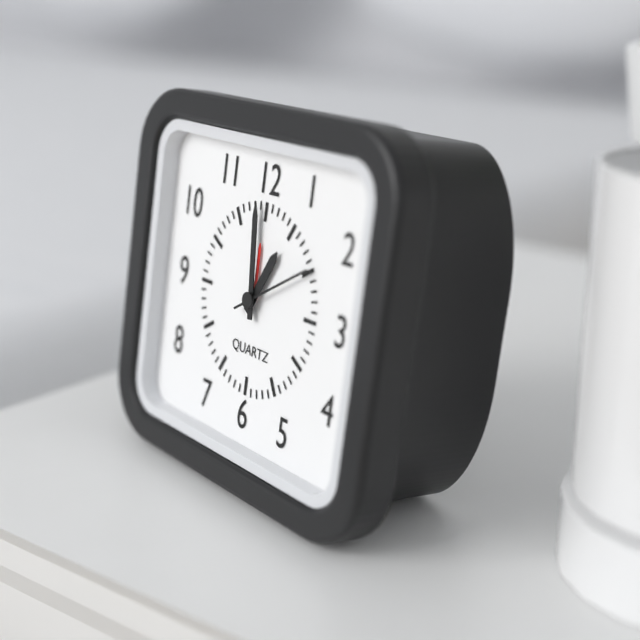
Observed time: 12h59m10s
